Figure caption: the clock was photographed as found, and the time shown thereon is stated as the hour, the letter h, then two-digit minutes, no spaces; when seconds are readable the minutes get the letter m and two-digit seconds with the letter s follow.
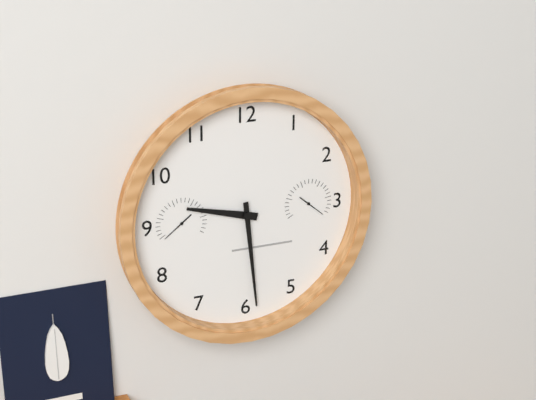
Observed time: 9h29
